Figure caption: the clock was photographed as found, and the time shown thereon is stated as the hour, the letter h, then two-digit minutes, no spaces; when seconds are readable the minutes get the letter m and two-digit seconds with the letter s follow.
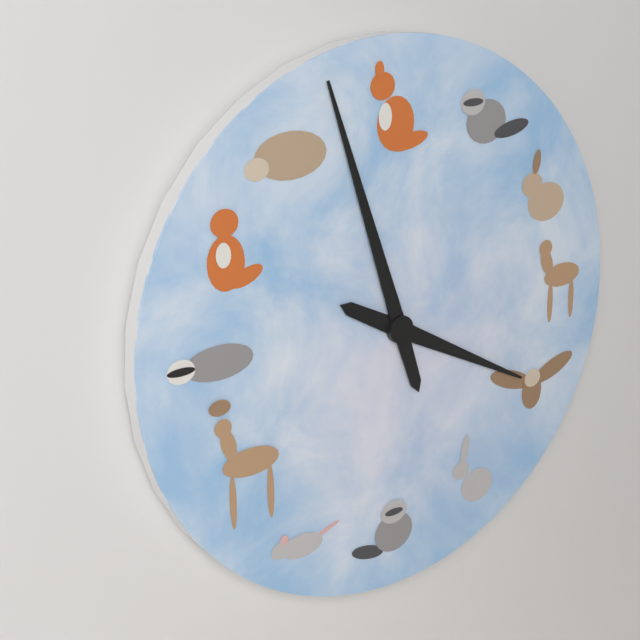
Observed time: 3h57
